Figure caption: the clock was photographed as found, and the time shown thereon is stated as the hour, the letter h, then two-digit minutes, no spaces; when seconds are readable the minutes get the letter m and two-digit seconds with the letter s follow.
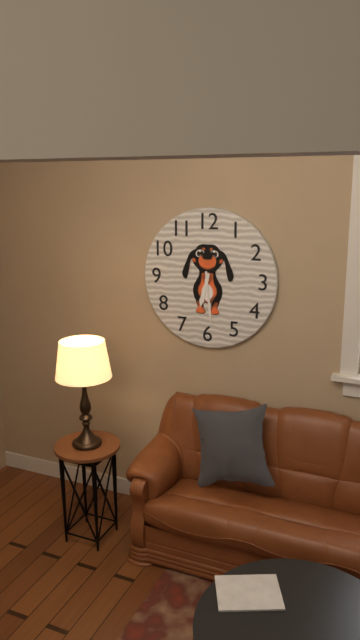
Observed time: 6h29
